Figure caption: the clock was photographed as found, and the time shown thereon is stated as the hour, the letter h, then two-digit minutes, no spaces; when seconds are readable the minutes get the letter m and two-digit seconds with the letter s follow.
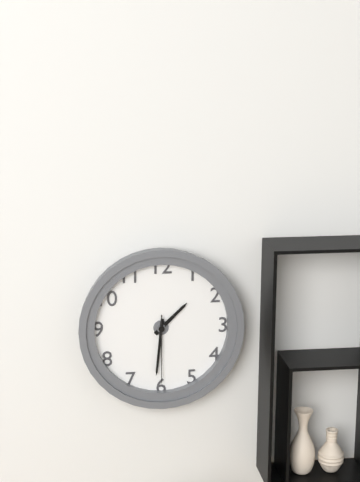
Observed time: 1h31m30s
